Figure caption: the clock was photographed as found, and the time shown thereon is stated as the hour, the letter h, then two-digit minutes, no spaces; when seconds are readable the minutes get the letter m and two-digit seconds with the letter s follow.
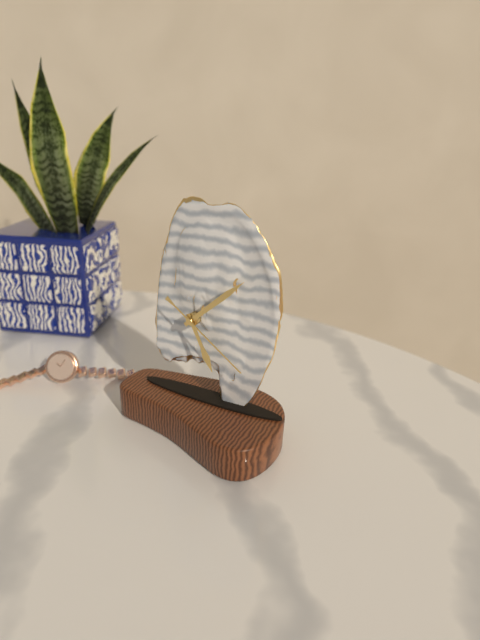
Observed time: 5h08m21s
